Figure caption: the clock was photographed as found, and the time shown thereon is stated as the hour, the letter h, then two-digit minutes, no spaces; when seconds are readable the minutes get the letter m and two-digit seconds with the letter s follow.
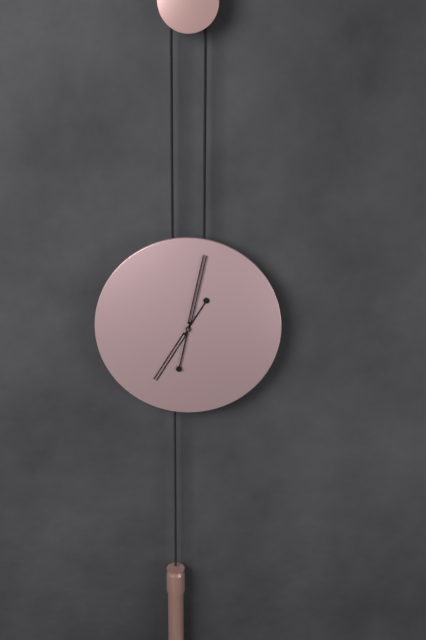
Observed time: 7h02
